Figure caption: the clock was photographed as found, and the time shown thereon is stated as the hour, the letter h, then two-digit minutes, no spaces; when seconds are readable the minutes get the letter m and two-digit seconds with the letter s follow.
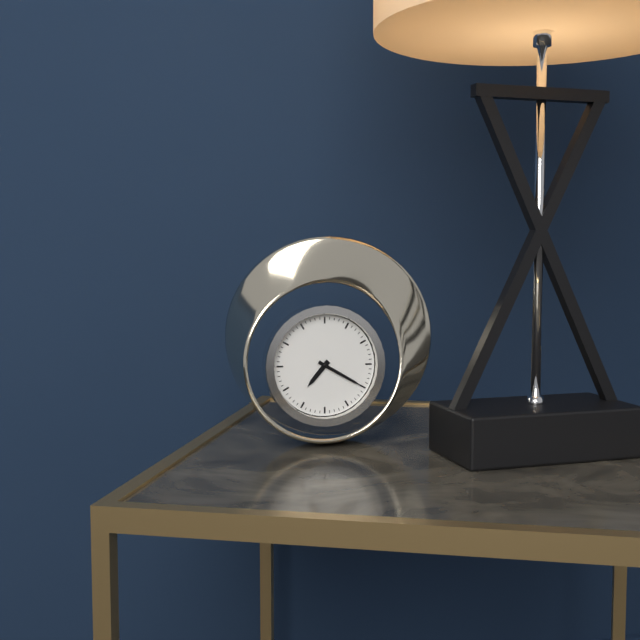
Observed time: 7h20
